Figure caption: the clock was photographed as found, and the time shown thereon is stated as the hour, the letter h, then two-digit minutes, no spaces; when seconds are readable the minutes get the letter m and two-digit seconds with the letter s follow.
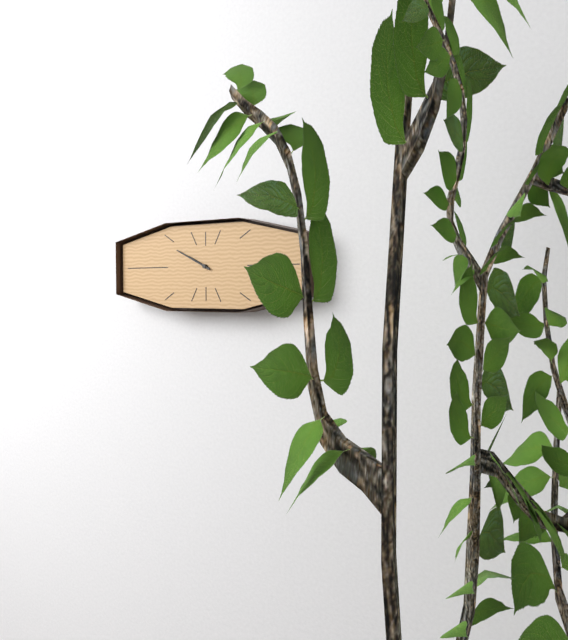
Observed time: 9h49
